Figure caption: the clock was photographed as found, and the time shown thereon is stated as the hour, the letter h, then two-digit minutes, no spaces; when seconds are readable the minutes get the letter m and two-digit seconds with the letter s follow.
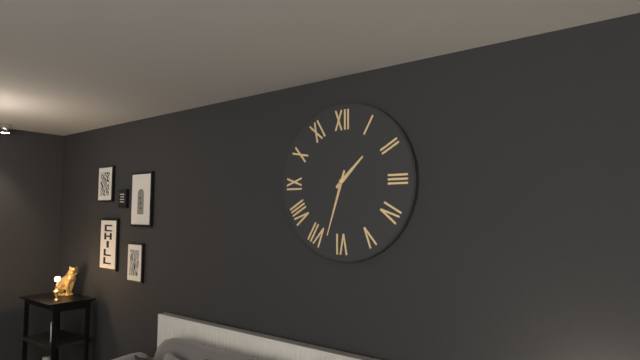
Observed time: 1h33
